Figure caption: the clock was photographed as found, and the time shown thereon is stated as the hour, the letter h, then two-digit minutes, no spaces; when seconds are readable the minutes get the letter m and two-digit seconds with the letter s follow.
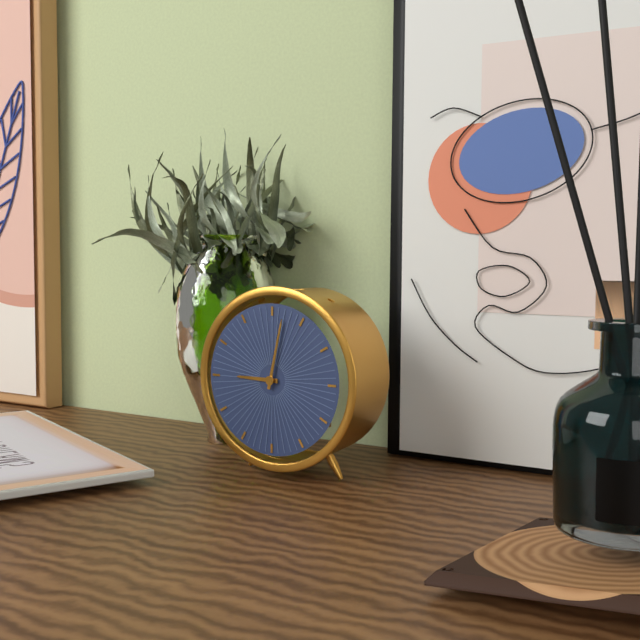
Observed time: 9h02
